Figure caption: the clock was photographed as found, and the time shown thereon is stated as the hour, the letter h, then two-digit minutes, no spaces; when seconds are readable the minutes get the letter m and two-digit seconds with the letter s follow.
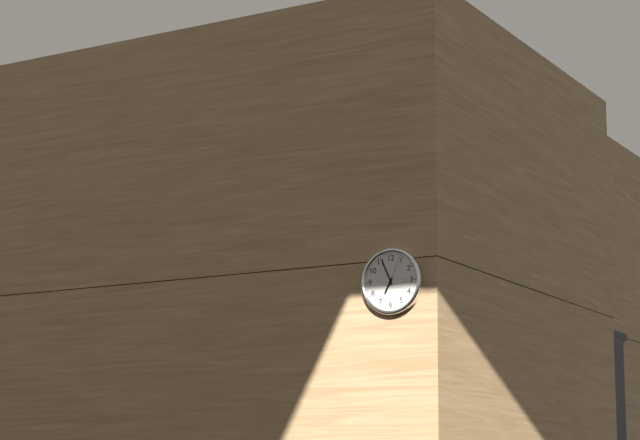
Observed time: 6h56
